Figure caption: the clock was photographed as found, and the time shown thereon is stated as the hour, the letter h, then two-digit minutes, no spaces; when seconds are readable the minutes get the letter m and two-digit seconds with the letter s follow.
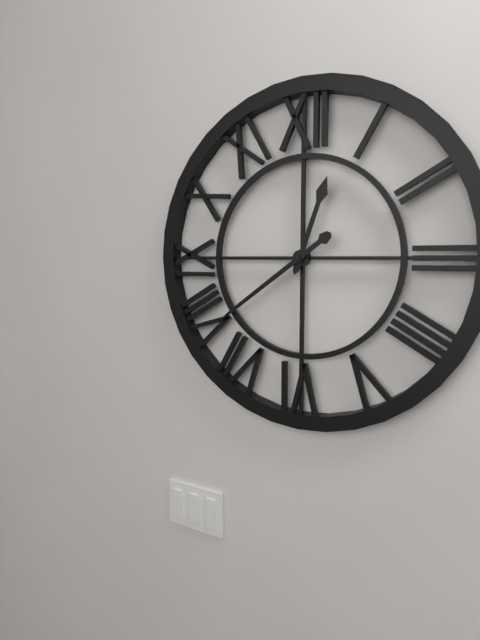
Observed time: 12h39
